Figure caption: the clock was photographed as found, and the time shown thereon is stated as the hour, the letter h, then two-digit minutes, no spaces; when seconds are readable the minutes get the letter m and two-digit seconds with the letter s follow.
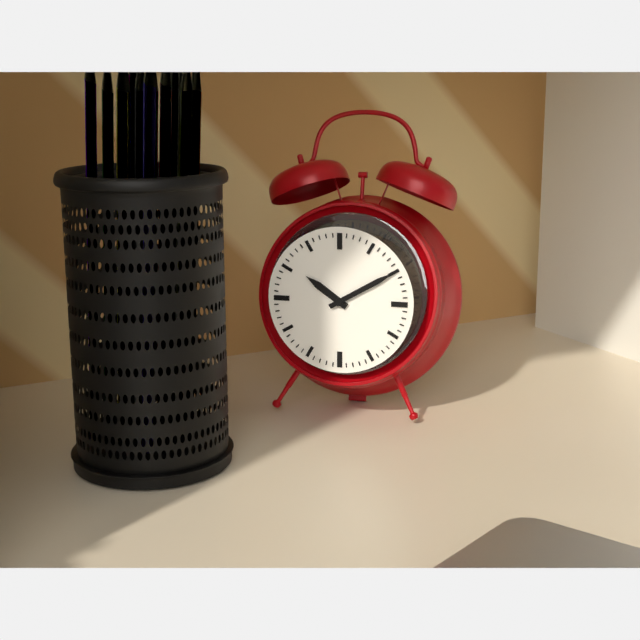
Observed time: 10h10
